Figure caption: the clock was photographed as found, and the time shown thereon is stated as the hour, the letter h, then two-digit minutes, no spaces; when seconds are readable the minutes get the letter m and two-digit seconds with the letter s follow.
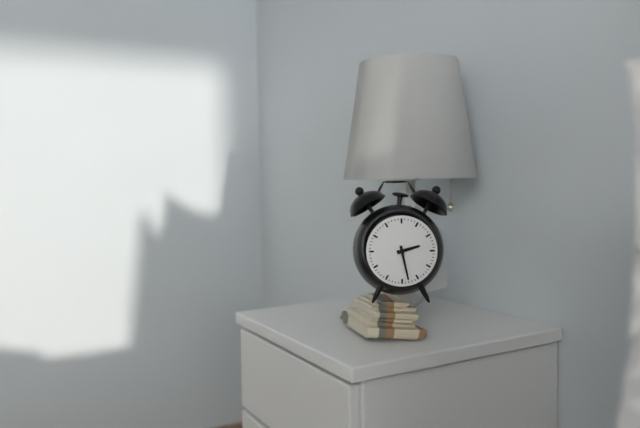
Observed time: 2h28
